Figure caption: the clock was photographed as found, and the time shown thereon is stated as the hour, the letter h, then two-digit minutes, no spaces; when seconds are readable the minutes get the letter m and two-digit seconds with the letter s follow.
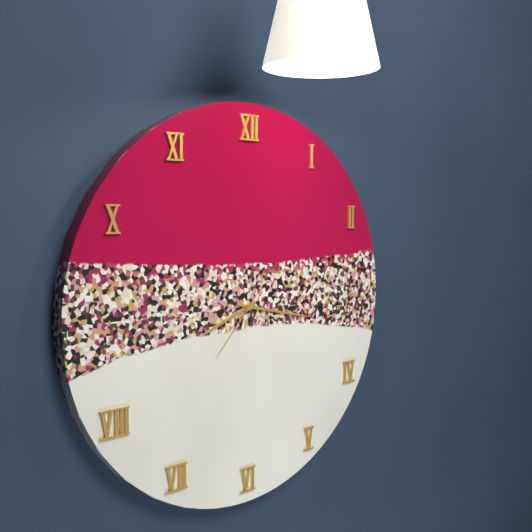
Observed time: 8h17m37s
